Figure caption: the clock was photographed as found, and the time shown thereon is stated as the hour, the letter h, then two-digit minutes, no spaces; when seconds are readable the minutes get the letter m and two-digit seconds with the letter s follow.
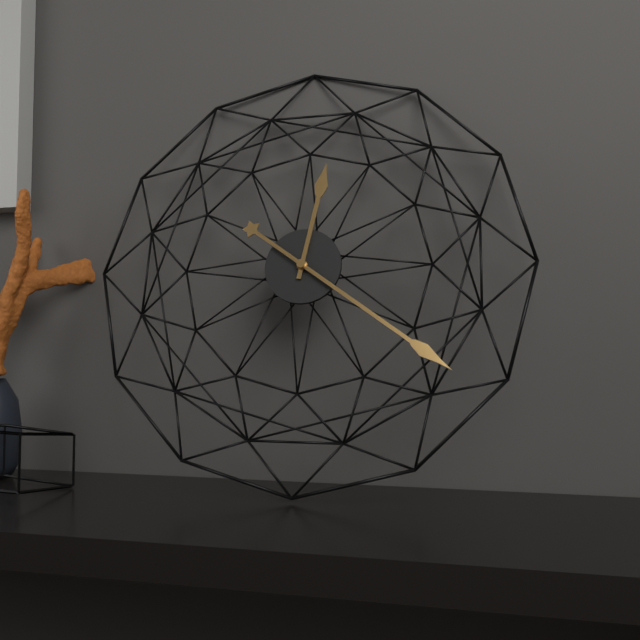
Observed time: 12h21
